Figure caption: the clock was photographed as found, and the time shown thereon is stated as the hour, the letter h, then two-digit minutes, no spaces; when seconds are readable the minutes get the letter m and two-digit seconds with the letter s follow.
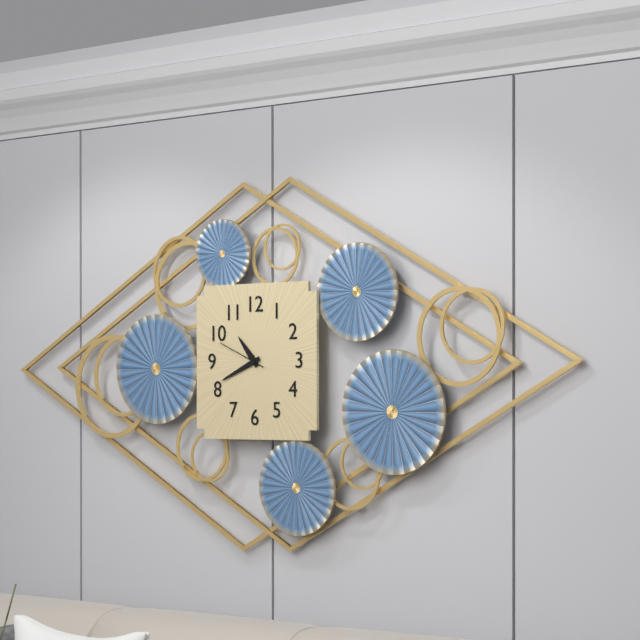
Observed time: 10h41
